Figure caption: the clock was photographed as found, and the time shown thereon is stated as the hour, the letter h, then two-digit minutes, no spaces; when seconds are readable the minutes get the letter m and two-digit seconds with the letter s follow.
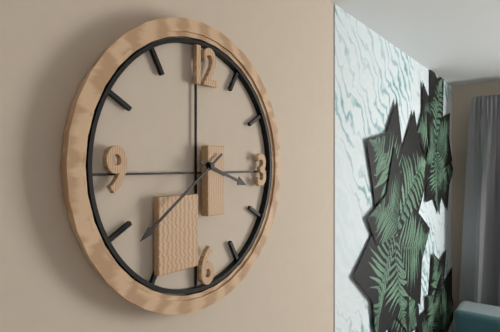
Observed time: 3h39
